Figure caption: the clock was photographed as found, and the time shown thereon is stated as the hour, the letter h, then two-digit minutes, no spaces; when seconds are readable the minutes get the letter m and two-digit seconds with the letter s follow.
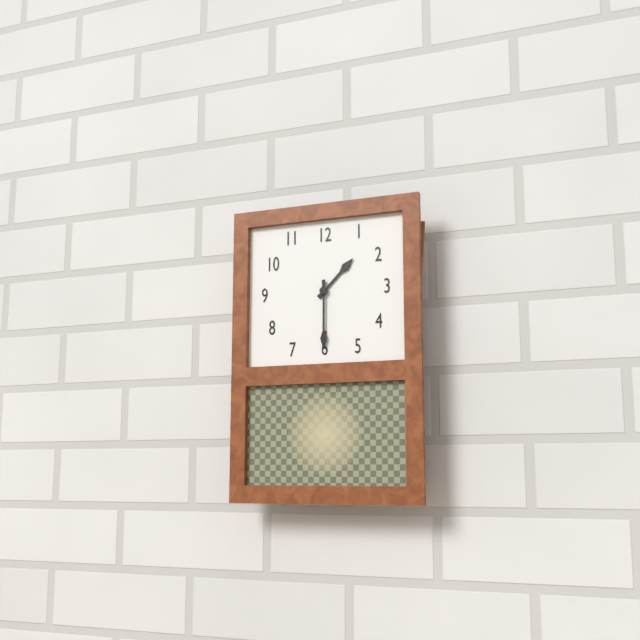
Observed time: 1h30
